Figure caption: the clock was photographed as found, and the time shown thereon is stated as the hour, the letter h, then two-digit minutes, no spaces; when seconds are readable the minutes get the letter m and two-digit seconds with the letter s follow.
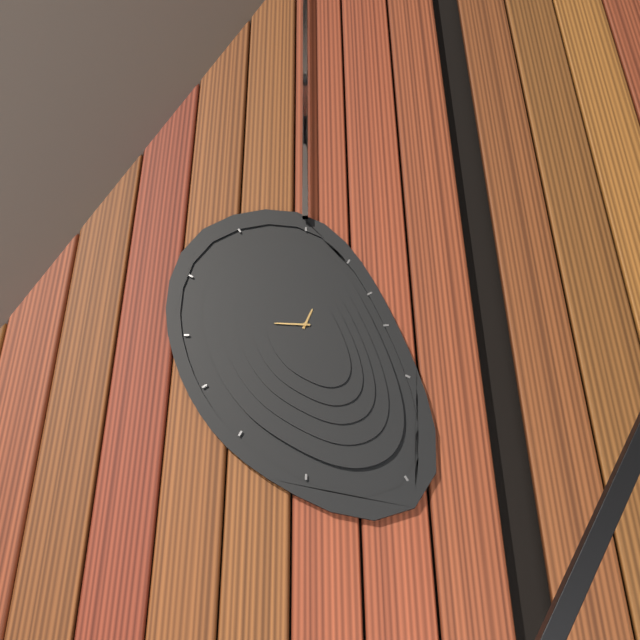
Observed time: 12h46
